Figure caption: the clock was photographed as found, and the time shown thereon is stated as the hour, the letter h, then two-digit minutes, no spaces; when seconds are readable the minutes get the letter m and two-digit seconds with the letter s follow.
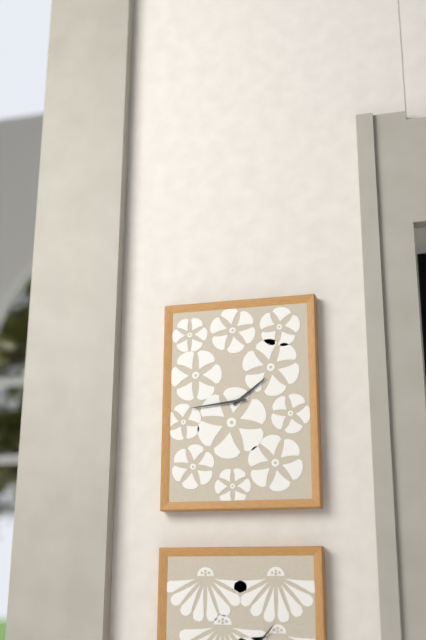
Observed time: 1h44
